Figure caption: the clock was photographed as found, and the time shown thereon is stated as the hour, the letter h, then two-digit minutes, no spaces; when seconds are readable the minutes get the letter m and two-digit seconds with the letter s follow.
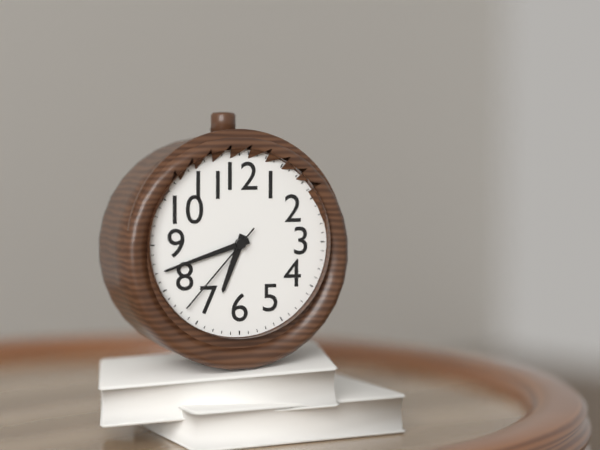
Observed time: 6h42m37s
